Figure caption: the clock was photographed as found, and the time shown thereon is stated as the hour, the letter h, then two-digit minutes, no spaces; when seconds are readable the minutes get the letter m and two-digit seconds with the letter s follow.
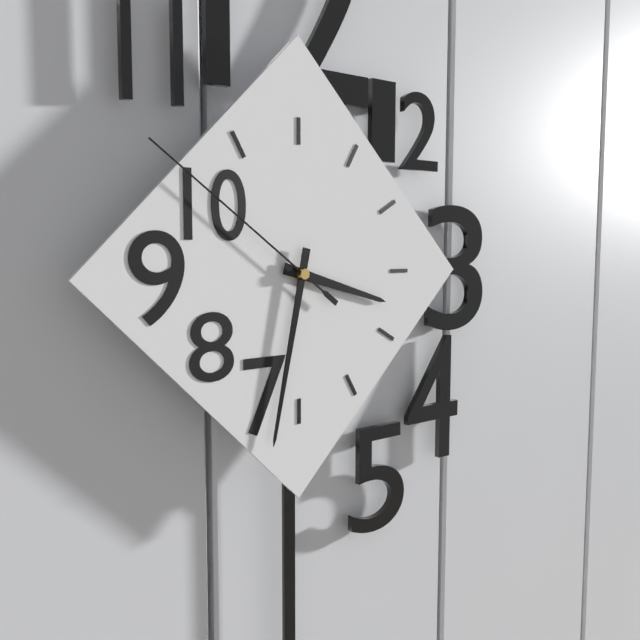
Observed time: 3h32m51s
